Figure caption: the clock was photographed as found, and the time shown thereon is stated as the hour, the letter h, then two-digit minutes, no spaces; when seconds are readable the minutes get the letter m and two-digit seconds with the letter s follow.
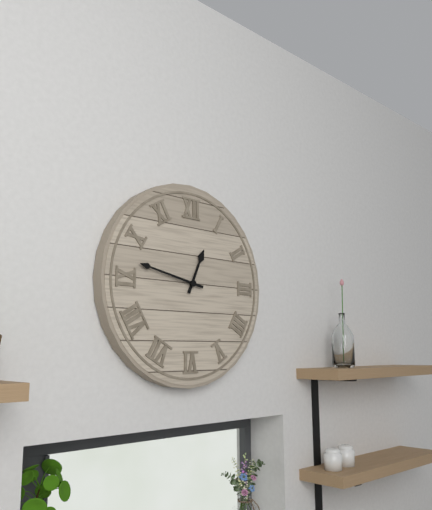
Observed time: 12h47
